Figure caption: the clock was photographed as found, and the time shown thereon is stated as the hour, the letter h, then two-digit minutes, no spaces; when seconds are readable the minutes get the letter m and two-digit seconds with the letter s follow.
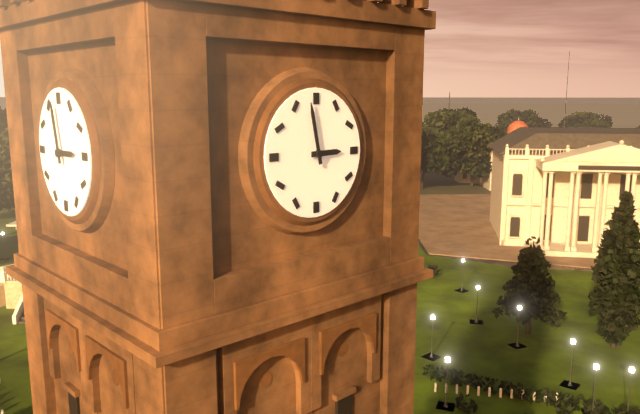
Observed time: 2h58
